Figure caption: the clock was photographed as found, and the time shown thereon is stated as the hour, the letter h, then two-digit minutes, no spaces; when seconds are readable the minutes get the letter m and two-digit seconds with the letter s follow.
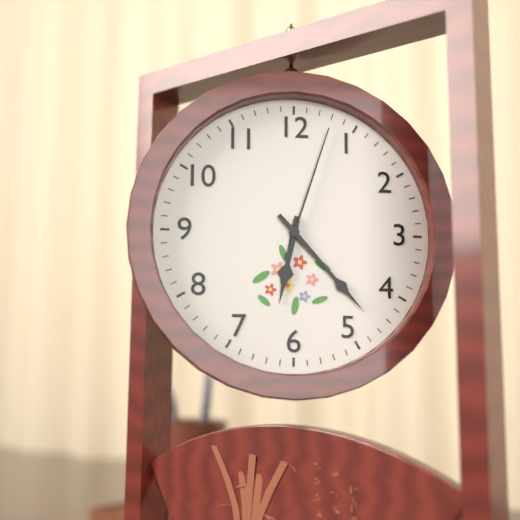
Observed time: 6h23m03s
